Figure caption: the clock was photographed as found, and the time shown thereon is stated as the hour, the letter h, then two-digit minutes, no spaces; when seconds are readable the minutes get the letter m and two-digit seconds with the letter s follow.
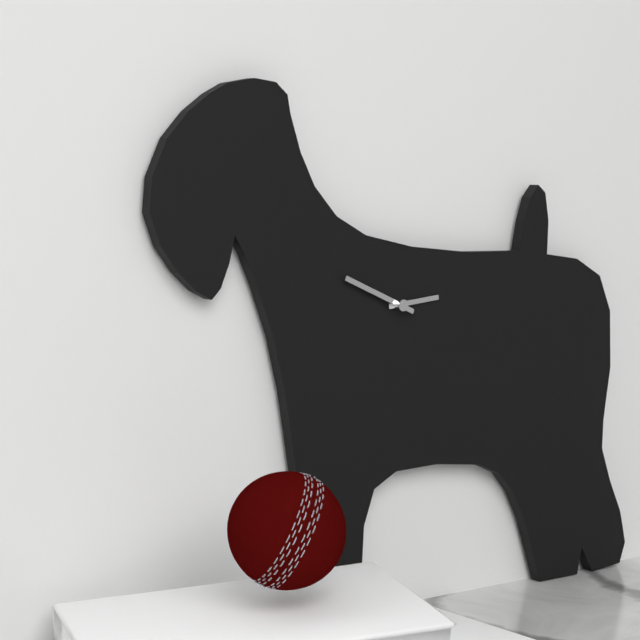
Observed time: 2h49
